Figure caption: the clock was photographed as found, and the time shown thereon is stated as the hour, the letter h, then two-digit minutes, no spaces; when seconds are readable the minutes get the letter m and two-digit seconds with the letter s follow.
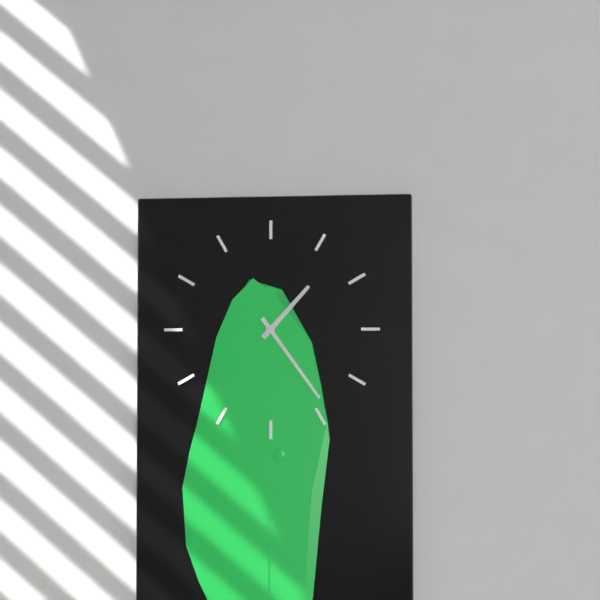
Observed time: 1h24
